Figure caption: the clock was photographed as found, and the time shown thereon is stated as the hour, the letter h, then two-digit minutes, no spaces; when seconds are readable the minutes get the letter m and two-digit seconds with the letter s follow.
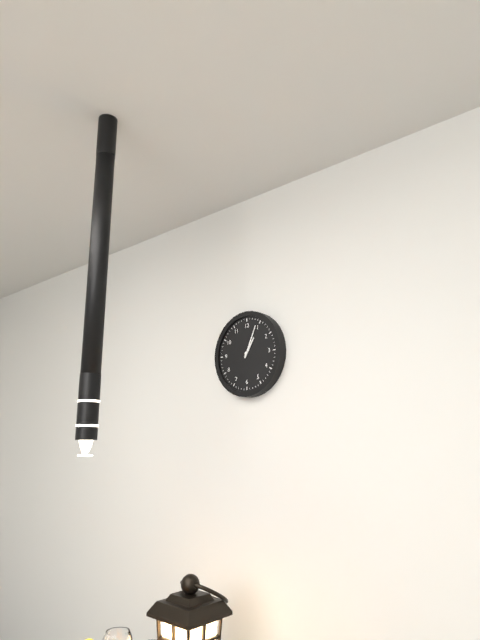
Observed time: 1h04
